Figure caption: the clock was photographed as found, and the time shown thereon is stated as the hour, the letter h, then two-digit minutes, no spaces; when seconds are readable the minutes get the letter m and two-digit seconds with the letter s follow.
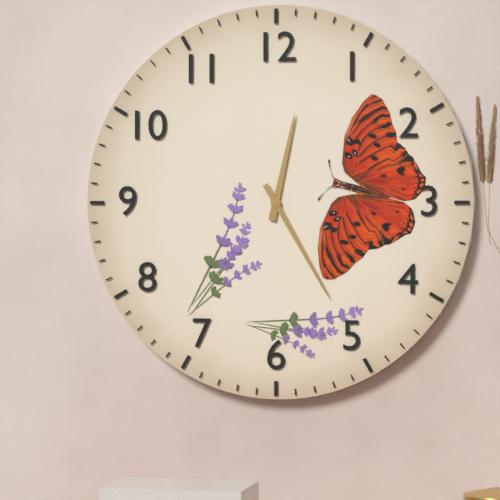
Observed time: 12h25
